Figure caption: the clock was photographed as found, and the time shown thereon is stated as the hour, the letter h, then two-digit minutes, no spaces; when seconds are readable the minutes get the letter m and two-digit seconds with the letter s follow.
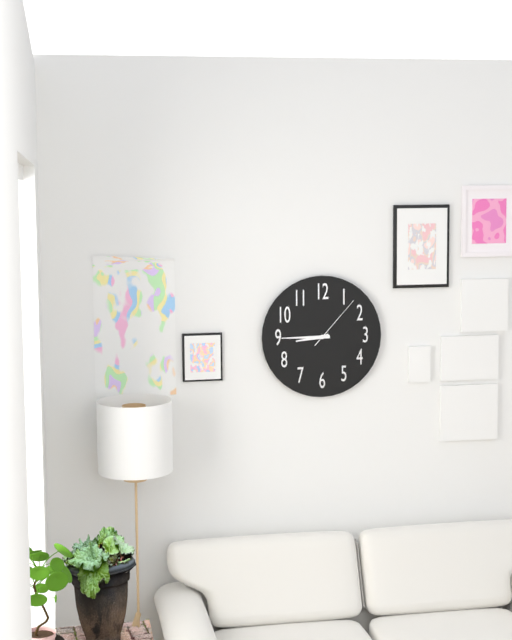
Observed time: 8h45m07s
